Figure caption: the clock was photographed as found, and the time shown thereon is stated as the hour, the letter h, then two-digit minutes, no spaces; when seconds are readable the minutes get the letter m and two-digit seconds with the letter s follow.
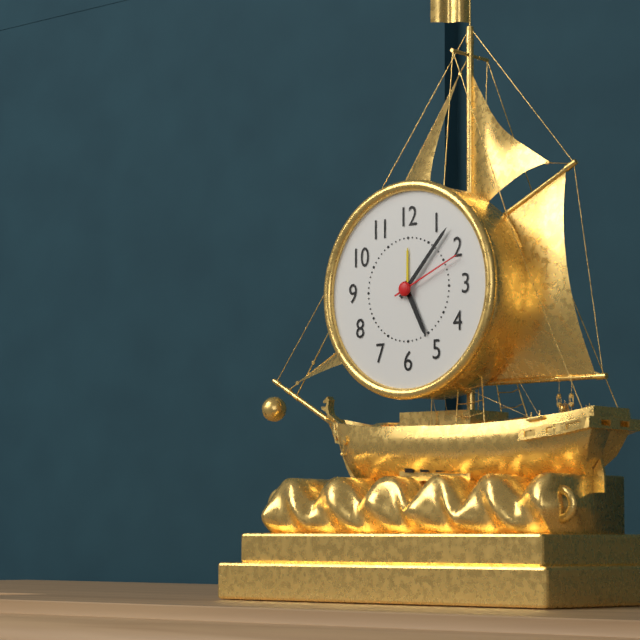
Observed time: 5h07m11s
